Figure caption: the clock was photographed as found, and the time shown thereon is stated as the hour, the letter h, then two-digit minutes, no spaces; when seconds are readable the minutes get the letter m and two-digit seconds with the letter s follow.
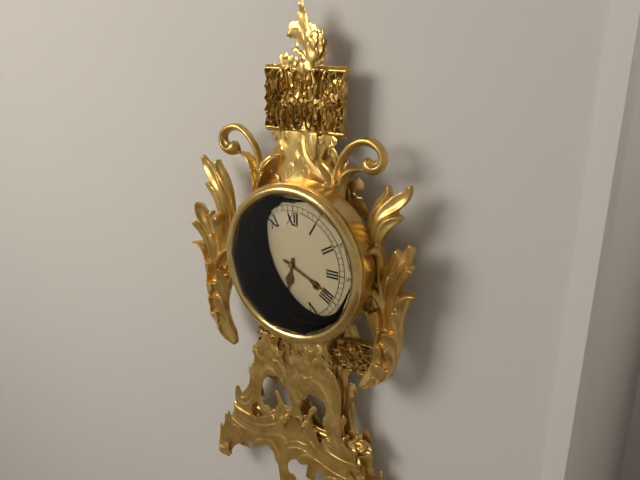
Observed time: 6h19
